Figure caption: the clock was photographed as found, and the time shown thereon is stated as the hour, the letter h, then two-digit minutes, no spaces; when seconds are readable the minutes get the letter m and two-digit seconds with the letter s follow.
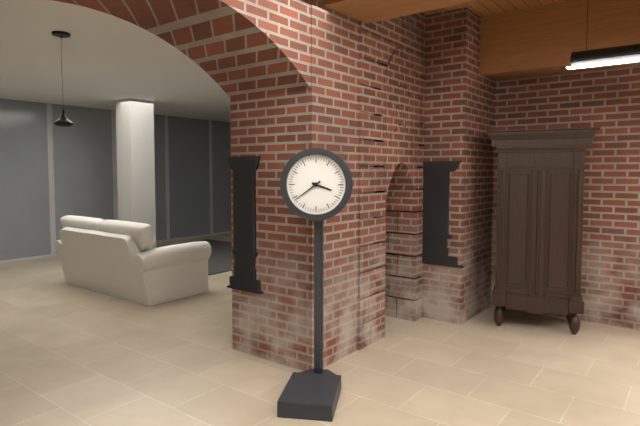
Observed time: 3h39
